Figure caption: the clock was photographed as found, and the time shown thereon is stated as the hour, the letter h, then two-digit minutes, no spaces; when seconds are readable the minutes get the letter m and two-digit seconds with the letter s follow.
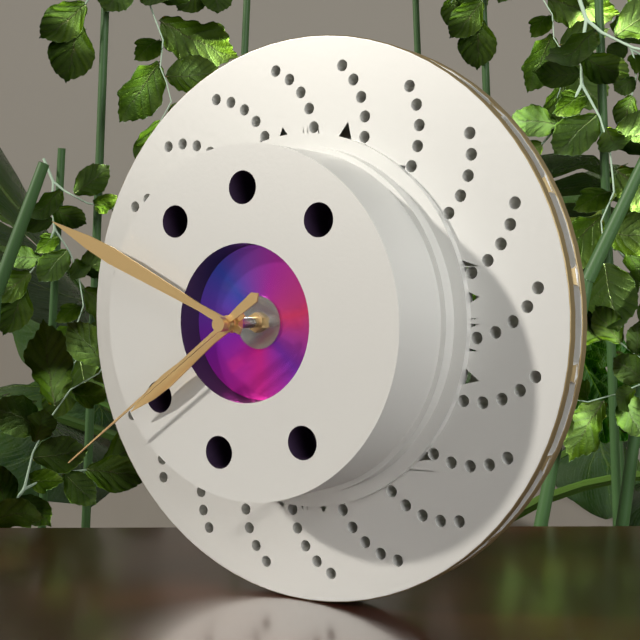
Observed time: 7h49m39s
